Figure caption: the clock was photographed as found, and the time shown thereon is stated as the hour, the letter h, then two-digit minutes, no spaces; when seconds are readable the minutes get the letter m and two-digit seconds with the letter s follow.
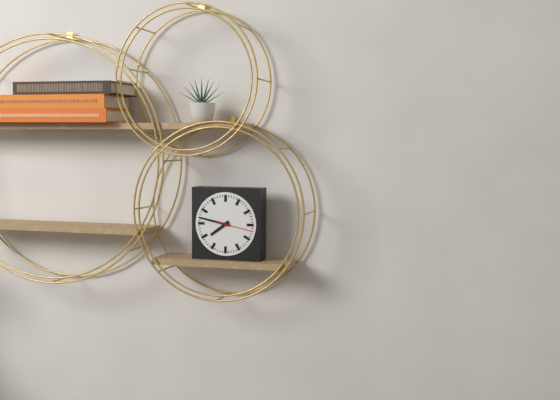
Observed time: 7h47
